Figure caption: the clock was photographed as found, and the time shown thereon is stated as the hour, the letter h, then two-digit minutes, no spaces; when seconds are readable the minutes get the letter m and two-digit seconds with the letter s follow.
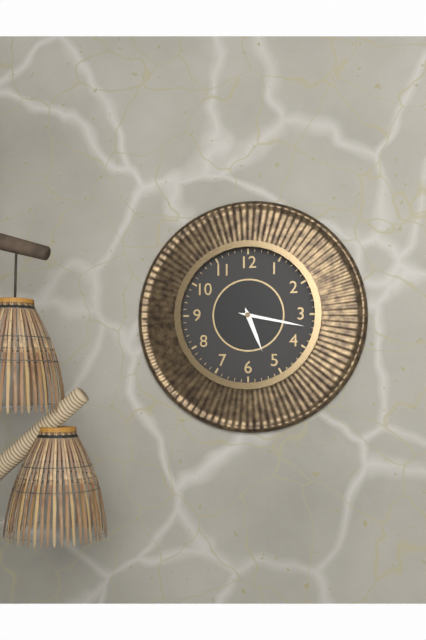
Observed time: 5h17
